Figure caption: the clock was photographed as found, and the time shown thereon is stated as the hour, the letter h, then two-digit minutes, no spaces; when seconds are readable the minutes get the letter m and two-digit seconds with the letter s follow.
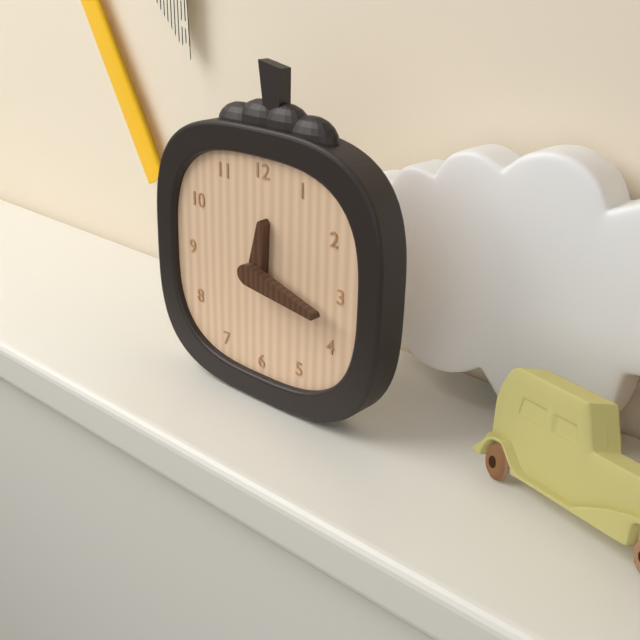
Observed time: 12h17
